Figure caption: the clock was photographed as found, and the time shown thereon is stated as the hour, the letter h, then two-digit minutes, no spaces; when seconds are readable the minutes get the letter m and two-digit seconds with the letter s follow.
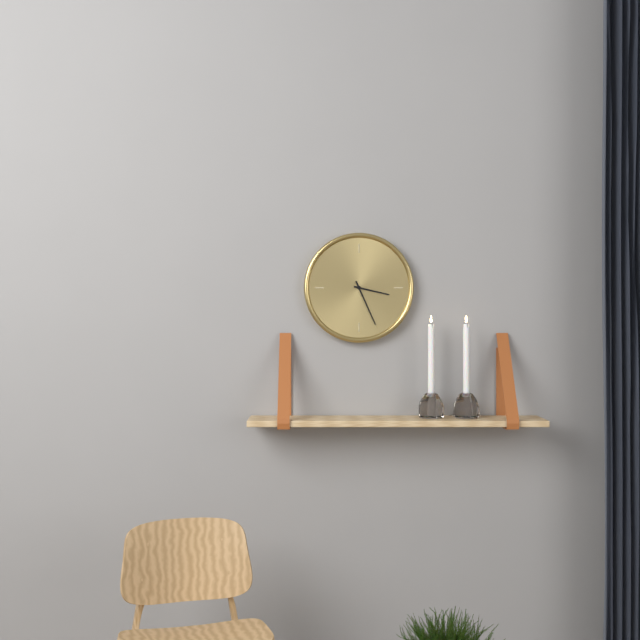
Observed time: 3h26
